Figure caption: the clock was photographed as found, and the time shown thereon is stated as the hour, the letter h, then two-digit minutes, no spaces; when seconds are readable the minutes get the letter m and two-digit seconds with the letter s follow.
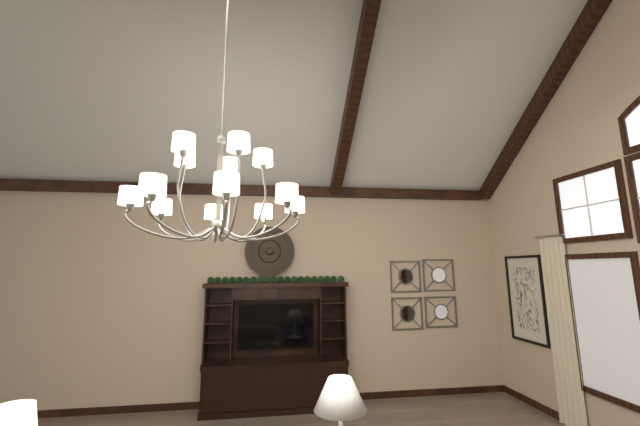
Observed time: 1h47
